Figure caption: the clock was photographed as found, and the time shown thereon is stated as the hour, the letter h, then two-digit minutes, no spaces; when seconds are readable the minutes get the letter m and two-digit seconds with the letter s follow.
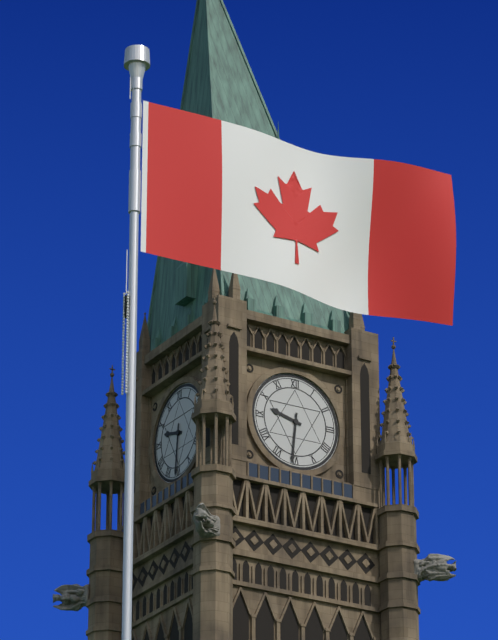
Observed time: 9h31
